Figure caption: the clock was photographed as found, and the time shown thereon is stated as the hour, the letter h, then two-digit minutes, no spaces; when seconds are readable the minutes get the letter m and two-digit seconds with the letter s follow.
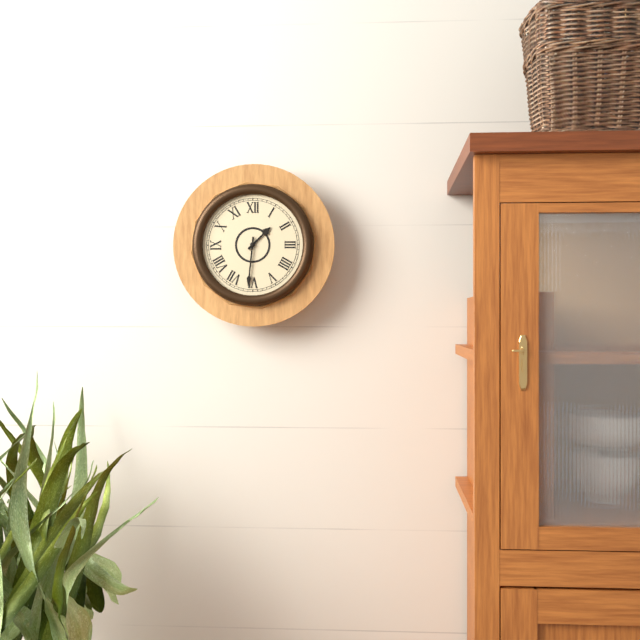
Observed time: 1h31
